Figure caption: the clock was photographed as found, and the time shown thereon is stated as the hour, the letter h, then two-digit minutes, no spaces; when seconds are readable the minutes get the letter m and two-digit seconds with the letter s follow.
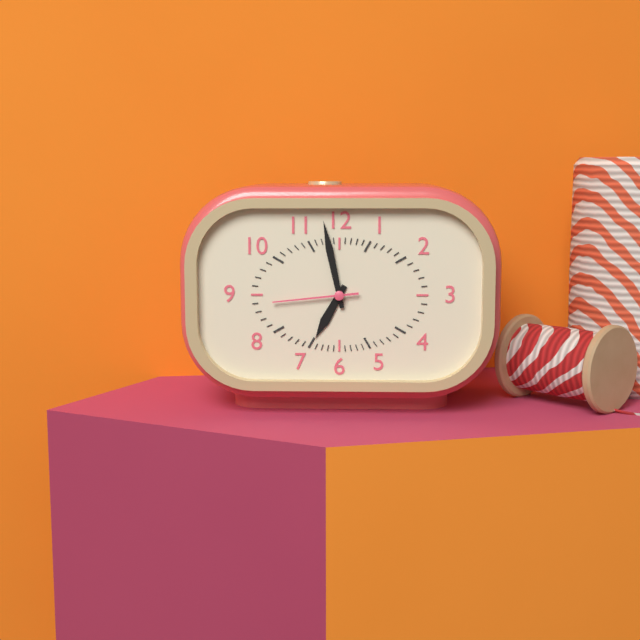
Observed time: 6h58m44s
